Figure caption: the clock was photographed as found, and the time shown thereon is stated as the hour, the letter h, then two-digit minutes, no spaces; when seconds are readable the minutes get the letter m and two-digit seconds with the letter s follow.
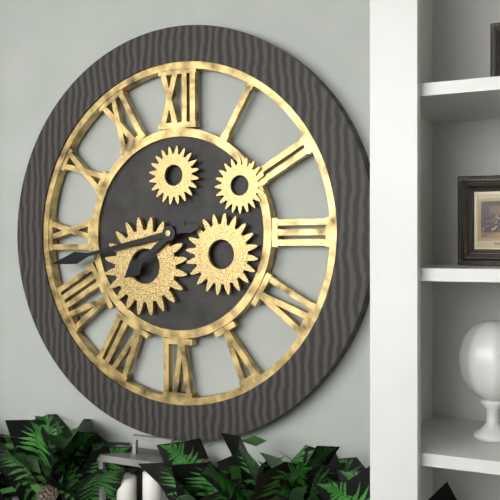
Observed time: 7h43
